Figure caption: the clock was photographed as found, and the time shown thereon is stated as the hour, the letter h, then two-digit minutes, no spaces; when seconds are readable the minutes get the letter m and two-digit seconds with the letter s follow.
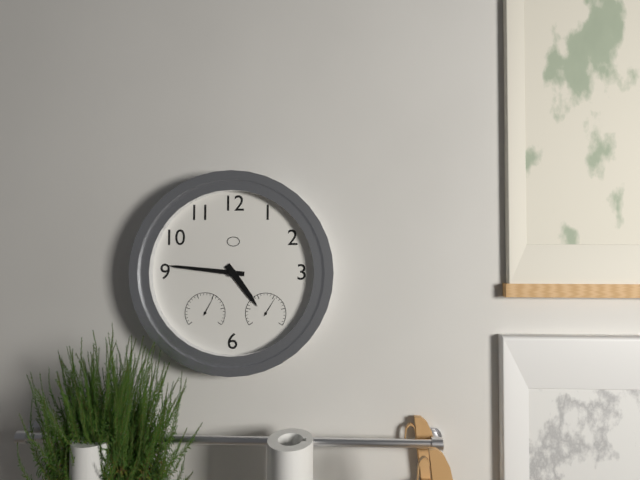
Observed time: 4h46
